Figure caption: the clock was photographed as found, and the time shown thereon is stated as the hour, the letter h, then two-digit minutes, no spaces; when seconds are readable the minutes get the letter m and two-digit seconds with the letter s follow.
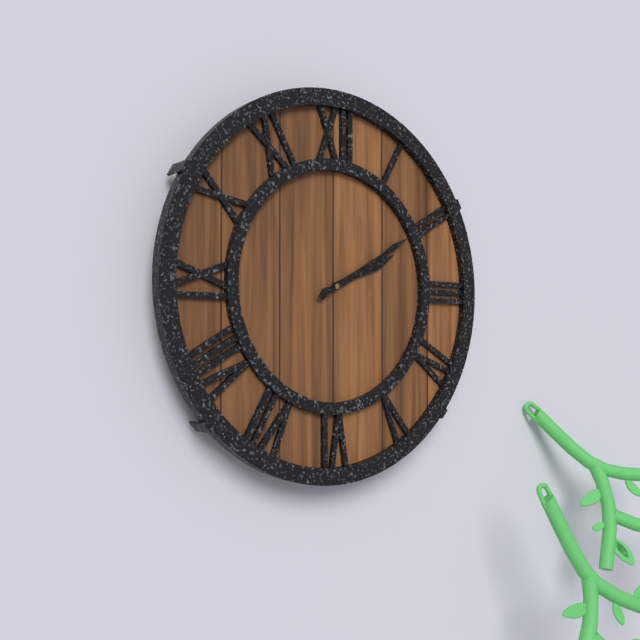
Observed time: 2h10
